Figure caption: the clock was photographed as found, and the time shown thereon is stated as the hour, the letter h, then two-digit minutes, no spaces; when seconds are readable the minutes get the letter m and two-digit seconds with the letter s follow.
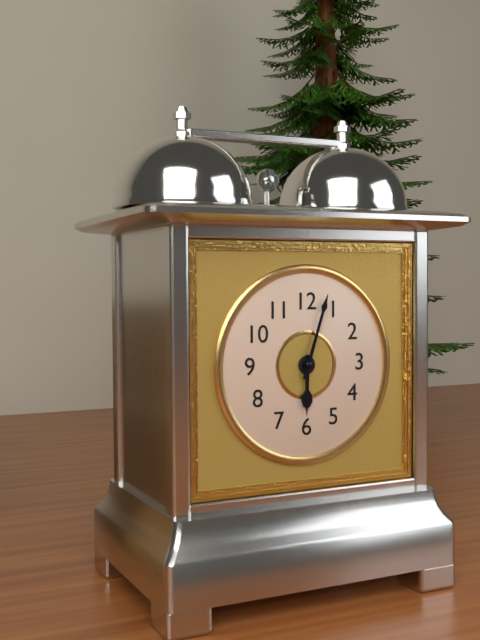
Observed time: 6h03
